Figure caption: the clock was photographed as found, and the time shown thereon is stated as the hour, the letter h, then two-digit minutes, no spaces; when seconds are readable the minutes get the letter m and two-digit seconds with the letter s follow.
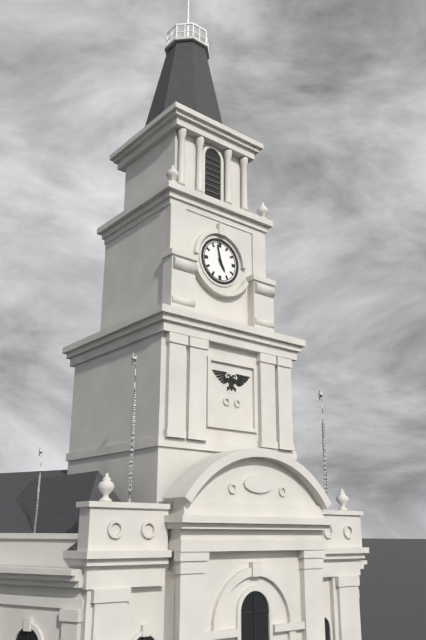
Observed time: 4h58
